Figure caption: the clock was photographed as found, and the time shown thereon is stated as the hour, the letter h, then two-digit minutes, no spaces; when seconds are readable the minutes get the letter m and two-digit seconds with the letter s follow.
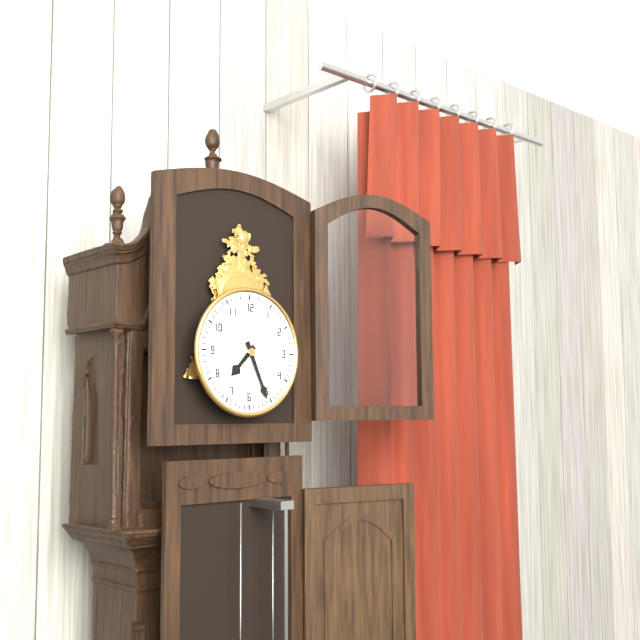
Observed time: 7h26
